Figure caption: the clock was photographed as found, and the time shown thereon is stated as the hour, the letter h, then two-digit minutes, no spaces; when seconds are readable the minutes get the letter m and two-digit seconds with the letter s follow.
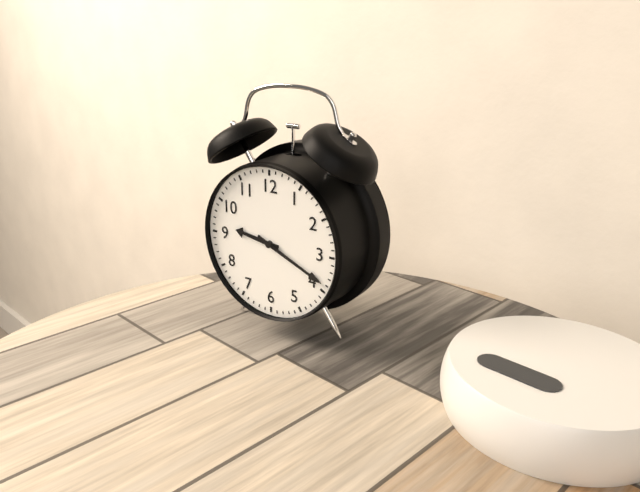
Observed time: 9h19
